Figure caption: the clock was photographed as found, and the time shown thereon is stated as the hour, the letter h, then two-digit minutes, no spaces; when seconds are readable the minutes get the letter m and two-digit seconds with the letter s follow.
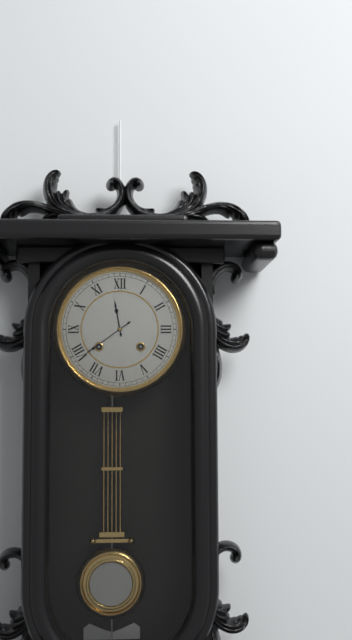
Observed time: 11h39
